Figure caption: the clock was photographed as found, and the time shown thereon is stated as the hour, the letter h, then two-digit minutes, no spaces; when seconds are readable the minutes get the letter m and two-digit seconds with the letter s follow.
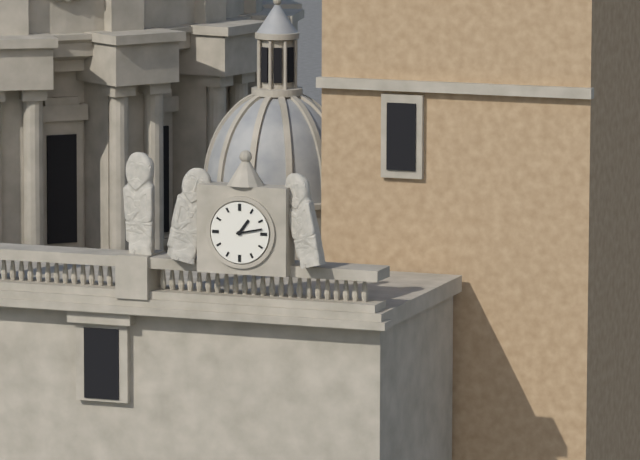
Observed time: 1h13
